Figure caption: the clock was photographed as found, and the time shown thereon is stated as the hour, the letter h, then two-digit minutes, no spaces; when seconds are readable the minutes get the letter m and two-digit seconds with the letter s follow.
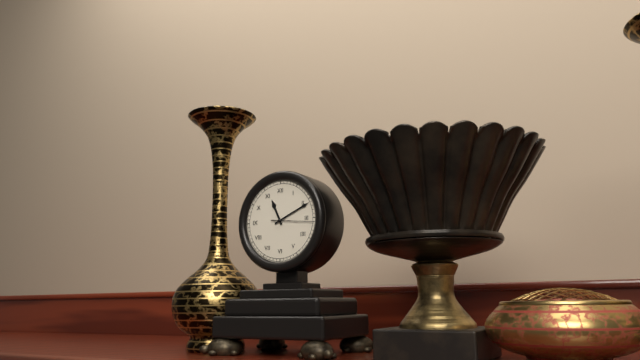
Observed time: 11h11
